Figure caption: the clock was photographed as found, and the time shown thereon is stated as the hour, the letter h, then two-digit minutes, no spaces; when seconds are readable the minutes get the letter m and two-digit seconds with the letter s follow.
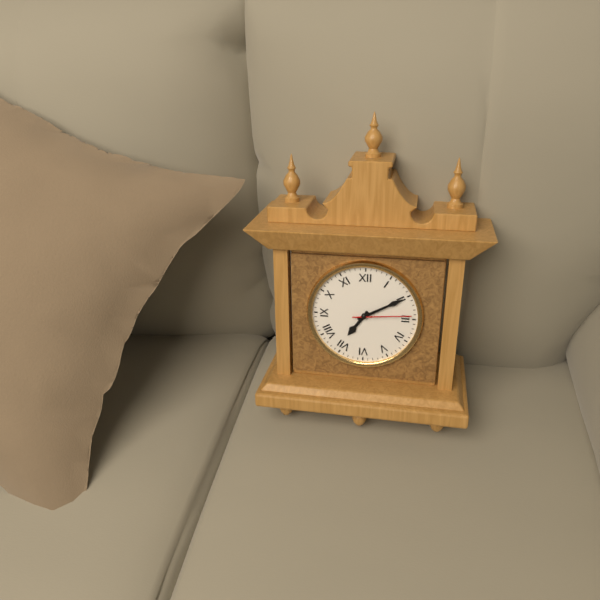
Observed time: 7h10m14s
